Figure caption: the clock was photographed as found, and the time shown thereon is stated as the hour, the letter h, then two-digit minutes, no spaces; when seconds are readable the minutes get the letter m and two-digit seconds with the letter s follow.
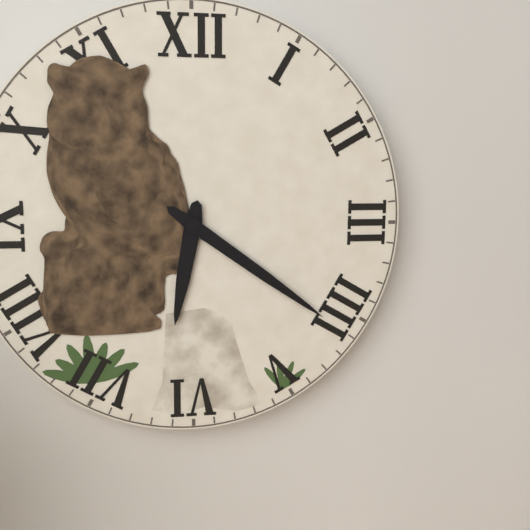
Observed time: 6h21
